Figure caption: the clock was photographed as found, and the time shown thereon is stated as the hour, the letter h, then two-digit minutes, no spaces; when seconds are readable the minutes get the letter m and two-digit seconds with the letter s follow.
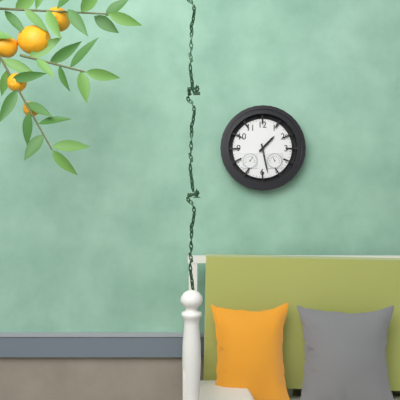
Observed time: 1h28
